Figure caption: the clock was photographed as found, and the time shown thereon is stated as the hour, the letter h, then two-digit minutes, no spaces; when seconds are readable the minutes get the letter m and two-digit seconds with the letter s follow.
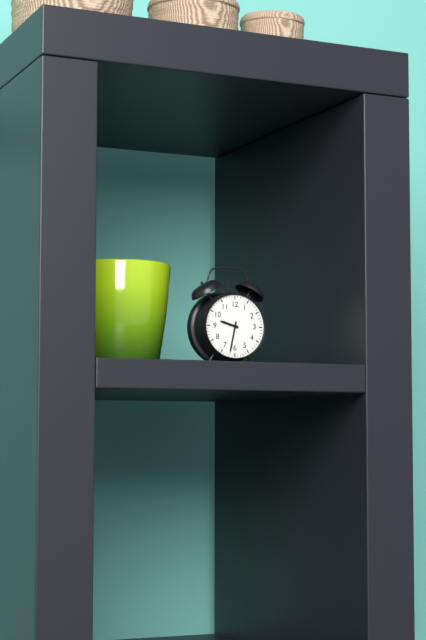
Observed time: 9h32
